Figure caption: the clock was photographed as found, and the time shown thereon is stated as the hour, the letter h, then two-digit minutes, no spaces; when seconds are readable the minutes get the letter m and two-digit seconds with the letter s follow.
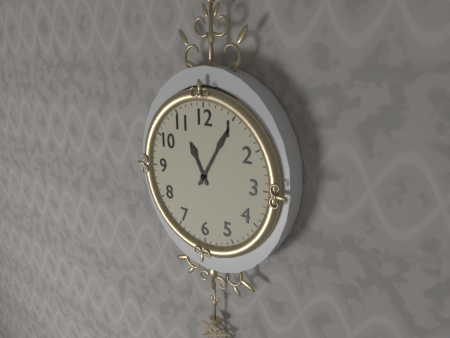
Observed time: 11h05
